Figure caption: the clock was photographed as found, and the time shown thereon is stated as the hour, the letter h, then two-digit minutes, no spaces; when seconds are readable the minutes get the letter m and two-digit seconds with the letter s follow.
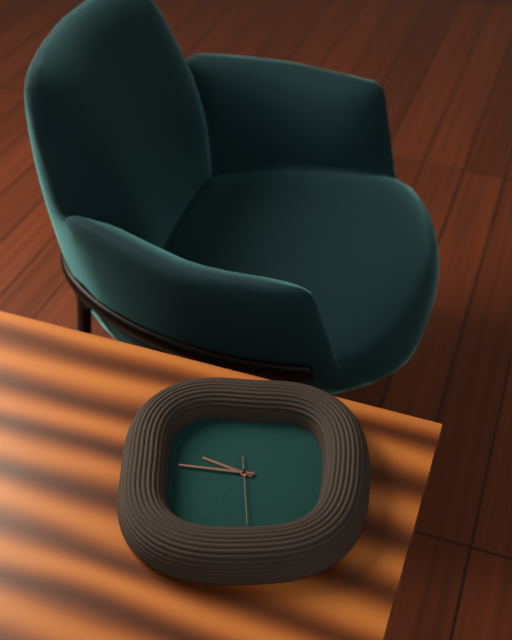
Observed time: 9h46m29s
